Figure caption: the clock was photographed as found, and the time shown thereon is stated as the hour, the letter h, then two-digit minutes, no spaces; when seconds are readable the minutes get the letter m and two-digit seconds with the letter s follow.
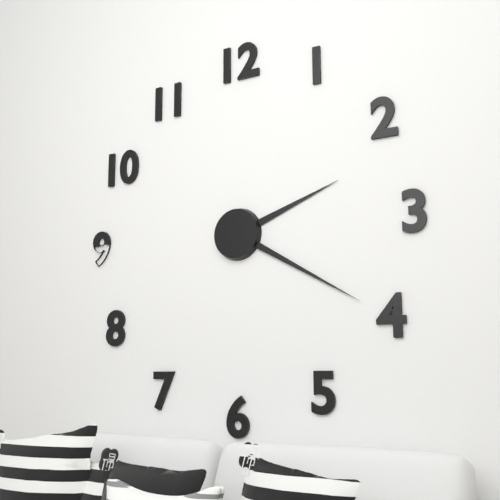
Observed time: 2h20
